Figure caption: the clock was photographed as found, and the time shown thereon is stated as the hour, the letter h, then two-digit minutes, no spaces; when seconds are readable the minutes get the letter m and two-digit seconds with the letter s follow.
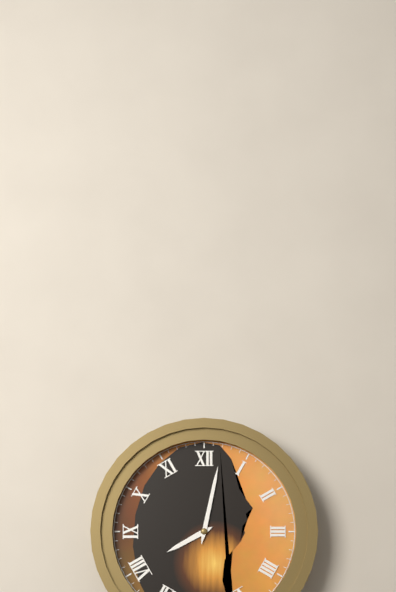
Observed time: 8h02
